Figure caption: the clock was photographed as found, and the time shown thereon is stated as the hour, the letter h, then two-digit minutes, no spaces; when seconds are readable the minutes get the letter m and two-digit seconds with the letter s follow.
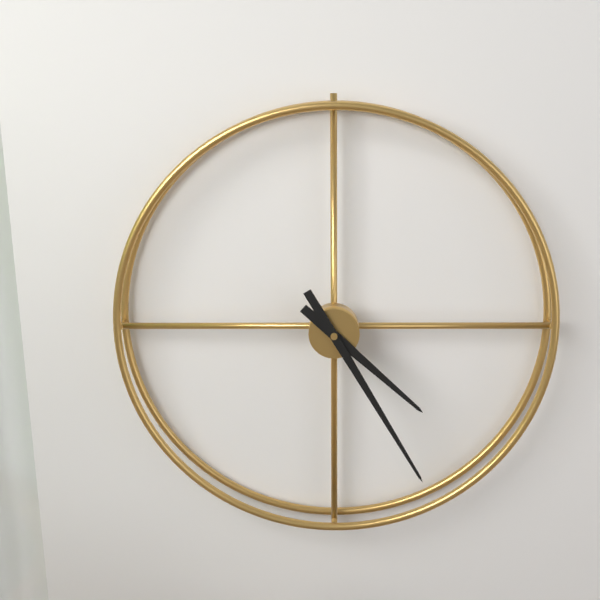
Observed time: 4h25
